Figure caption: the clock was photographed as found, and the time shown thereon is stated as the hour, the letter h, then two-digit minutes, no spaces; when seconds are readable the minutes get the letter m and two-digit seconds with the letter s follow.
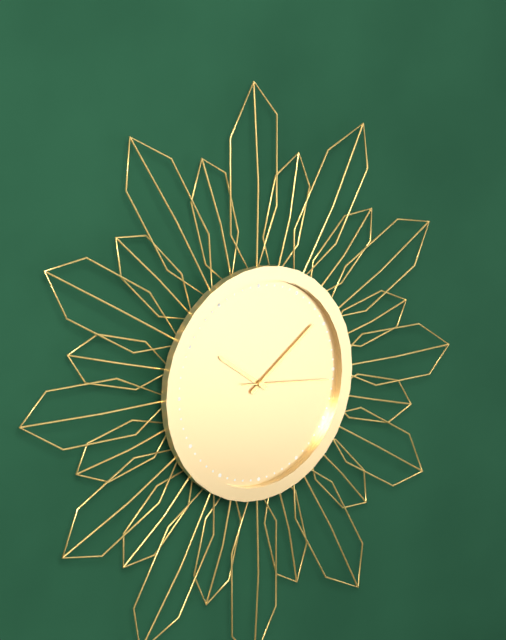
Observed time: 10h09m16s
